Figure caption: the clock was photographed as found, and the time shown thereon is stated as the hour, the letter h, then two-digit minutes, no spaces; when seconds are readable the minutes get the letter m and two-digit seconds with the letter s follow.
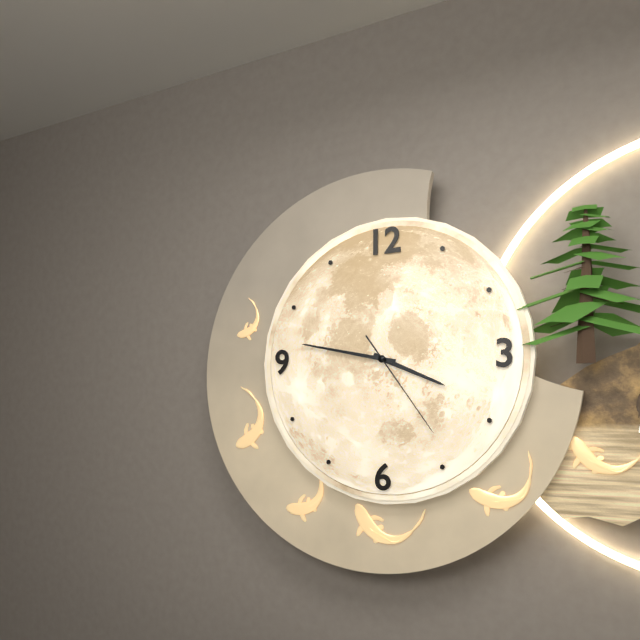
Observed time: 3h47m24s
